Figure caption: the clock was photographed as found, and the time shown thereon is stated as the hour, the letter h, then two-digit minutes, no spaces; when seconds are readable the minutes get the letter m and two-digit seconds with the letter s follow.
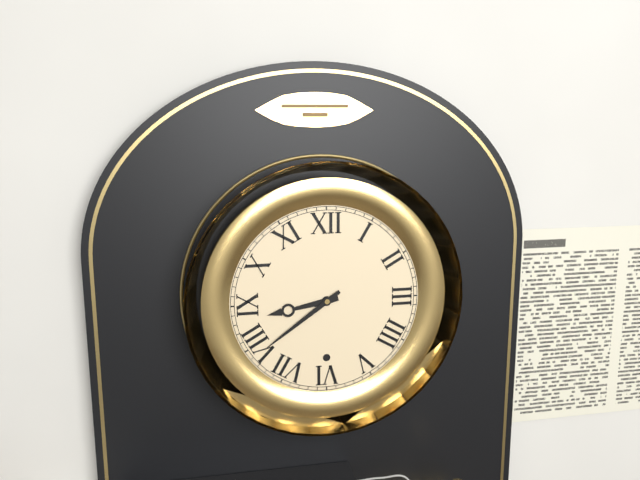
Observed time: 8h39
